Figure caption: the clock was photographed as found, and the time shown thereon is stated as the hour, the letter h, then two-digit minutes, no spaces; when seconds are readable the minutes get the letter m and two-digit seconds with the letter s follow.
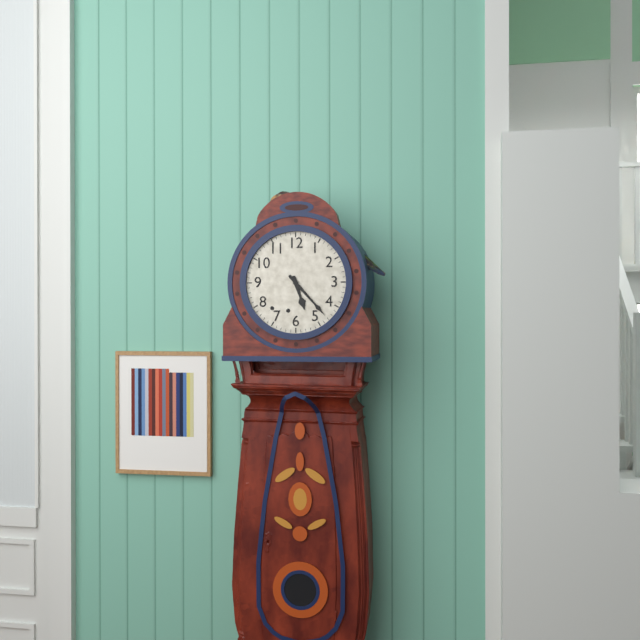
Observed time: 5h23
